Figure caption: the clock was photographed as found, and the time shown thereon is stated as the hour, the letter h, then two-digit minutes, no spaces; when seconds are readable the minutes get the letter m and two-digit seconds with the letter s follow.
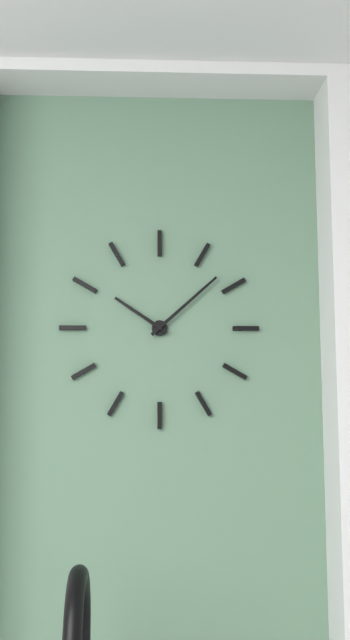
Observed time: 10h08
